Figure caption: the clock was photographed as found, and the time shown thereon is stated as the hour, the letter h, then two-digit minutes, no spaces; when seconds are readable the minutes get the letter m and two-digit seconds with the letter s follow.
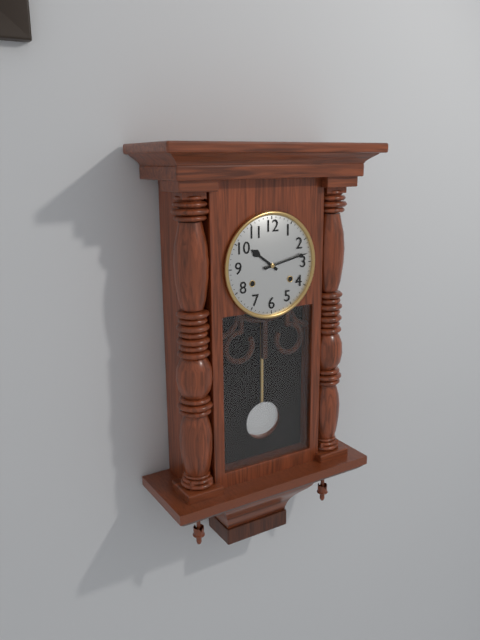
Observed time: 10h13
